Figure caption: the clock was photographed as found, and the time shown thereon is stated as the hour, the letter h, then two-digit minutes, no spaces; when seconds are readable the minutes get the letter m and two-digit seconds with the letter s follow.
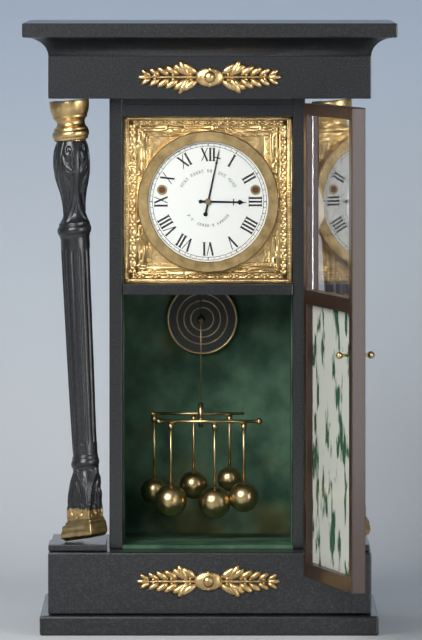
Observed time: 3h02
